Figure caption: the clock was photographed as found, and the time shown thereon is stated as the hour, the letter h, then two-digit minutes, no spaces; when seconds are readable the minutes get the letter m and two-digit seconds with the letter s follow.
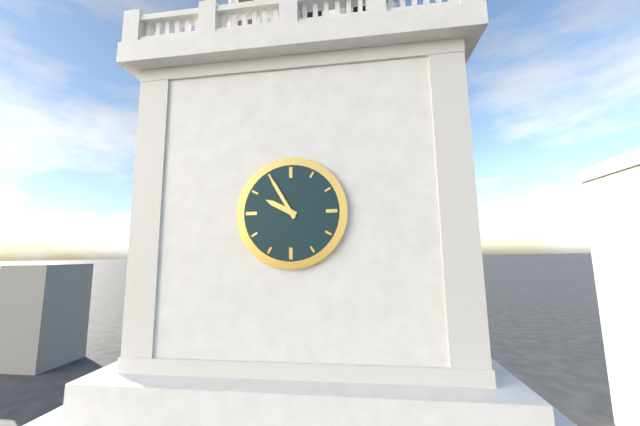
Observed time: 9h55
